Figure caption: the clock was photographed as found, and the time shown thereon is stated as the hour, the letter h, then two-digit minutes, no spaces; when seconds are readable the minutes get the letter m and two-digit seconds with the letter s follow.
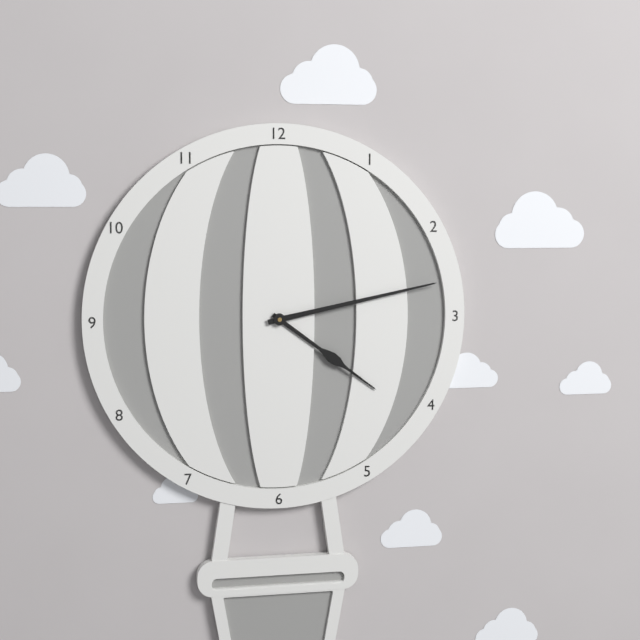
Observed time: 4h13
